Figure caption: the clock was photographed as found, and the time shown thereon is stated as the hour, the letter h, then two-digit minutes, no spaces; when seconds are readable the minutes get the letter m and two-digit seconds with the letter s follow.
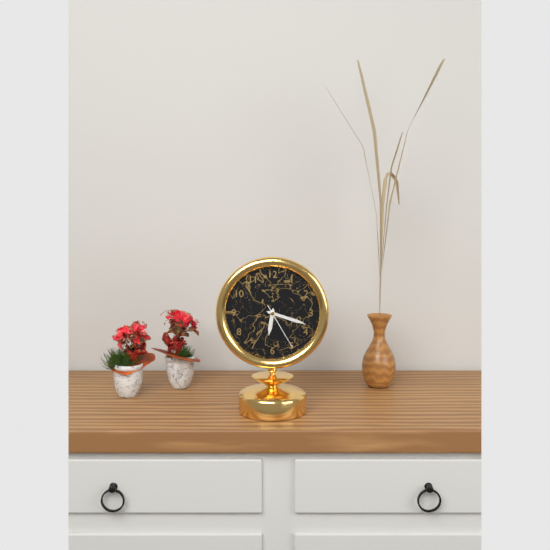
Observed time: 6h18m25s
